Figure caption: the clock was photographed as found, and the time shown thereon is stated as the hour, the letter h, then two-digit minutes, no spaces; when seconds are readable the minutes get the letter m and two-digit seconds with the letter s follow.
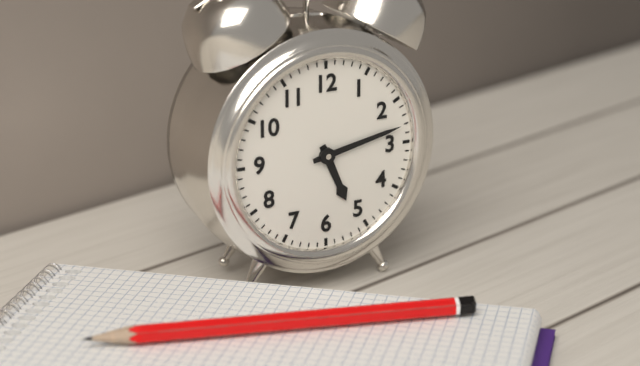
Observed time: 5h13
